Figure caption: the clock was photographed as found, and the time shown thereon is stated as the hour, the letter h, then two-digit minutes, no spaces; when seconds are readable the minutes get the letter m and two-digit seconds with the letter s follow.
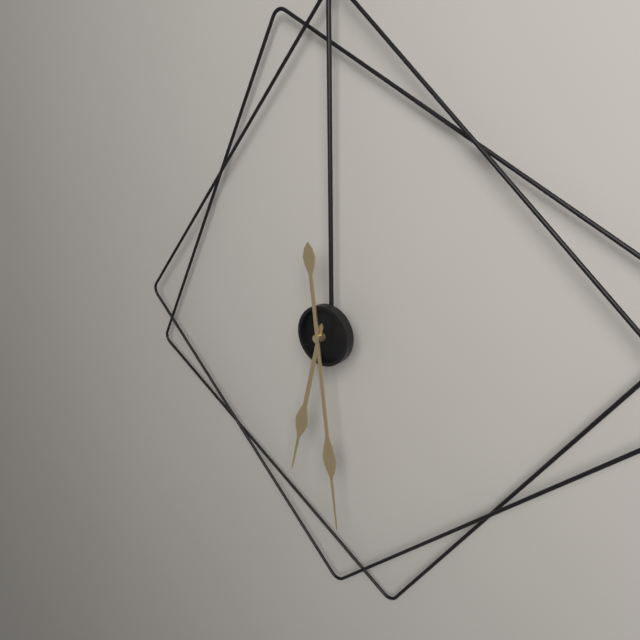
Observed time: 6h29
